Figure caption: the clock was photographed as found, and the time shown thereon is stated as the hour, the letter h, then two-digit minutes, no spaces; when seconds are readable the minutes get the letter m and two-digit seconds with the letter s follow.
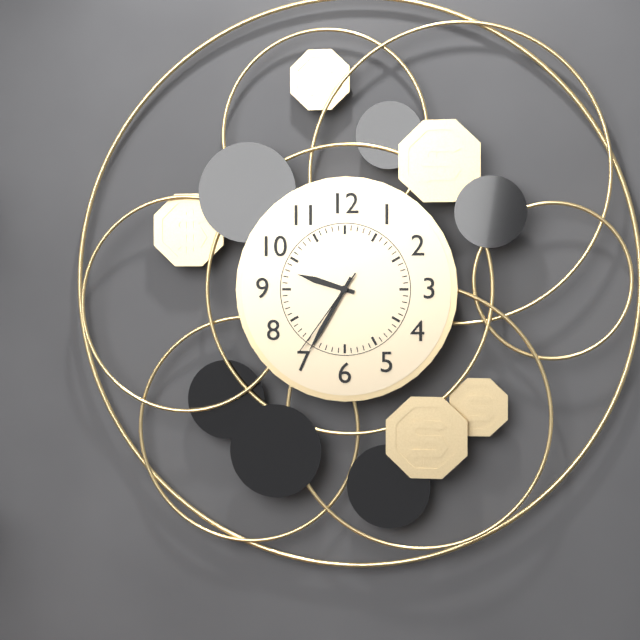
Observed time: 9h35m36s
